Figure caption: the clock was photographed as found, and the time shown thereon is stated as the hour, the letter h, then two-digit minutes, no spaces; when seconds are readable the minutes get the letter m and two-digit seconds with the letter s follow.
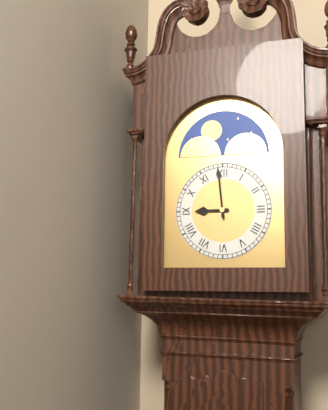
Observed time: 8h59
